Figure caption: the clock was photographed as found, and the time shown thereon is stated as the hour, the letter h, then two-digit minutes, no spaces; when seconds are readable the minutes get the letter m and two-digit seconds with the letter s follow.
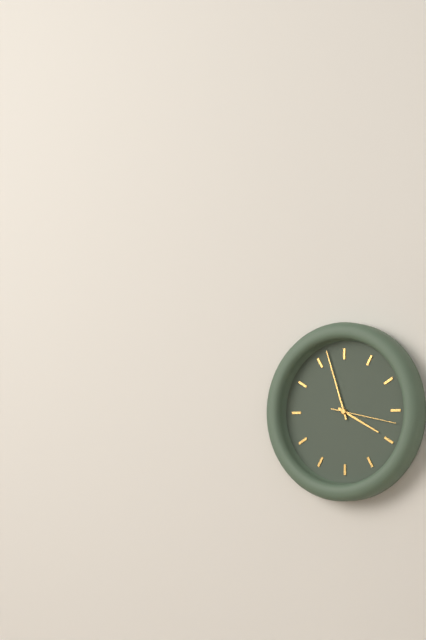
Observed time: 3h57m17s
